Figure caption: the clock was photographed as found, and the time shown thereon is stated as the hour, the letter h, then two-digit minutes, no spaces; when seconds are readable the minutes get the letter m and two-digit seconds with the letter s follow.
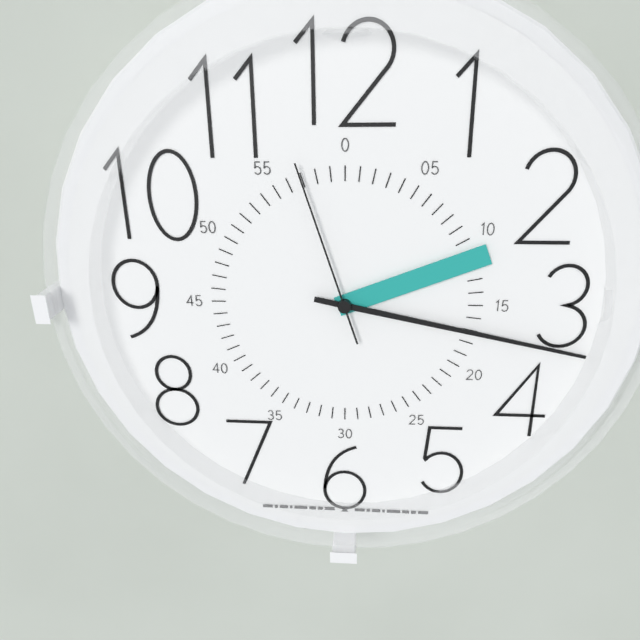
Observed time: 2h17m57s
